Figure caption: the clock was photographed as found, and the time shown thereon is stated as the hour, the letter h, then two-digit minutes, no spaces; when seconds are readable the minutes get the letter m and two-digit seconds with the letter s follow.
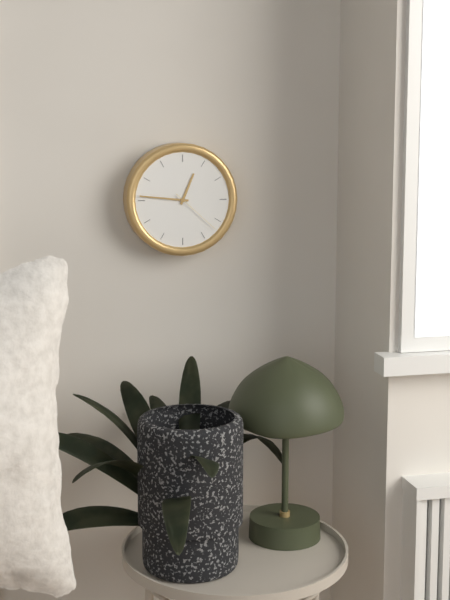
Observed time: 12h46m22s
